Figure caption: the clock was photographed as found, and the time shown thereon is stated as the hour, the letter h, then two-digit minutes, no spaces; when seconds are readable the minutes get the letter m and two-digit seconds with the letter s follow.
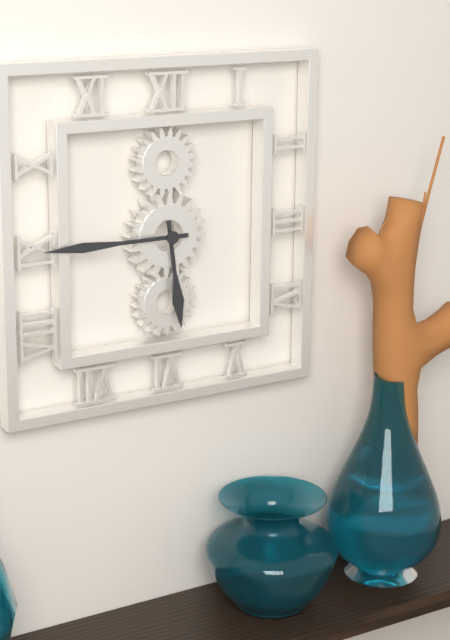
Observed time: 5h45
